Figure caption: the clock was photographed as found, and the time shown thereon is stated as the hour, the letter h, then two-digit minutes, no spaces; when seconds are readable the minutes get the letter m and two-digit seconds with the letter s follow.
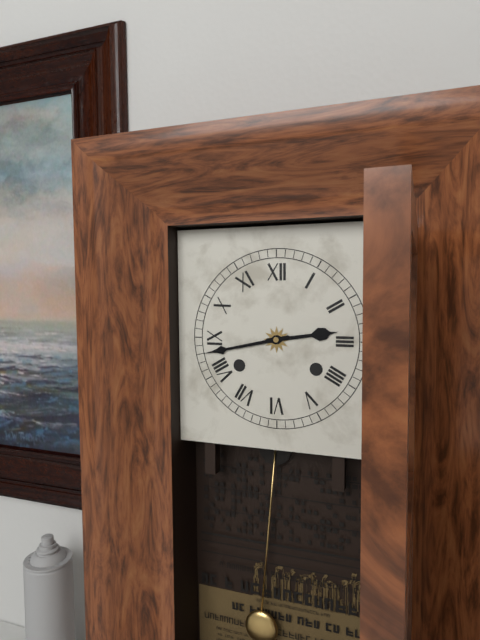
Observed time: 2h43
